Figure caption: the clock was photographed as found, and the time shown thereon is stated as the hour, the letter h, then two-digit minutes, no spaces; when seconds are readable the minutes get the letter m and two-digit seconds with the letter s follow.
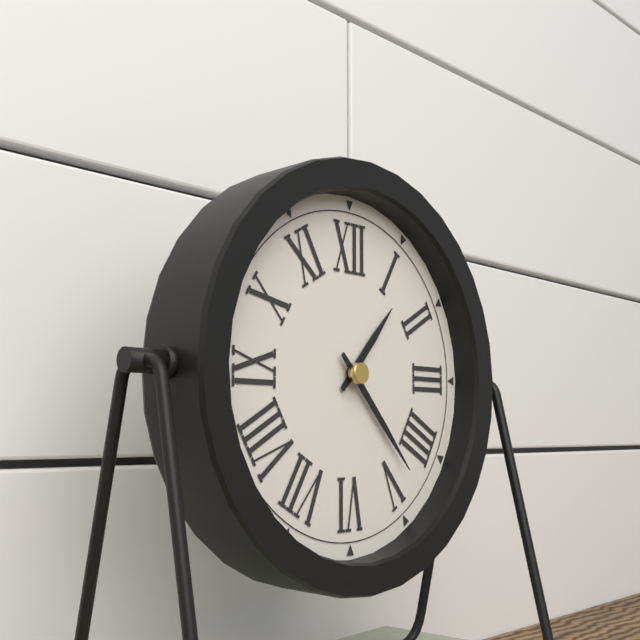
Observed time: 1h23
